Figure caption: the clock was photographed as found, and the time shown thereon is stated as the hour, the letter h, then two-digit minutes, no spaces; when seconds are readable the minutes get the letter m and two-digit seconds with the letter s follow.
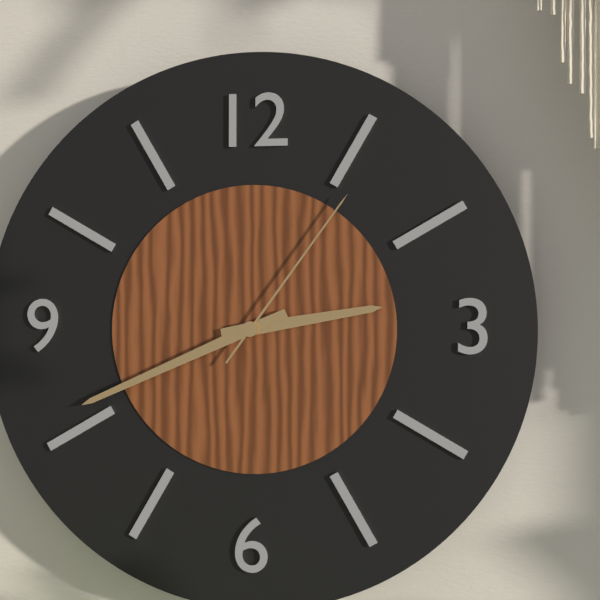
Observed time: 2h41m06s
